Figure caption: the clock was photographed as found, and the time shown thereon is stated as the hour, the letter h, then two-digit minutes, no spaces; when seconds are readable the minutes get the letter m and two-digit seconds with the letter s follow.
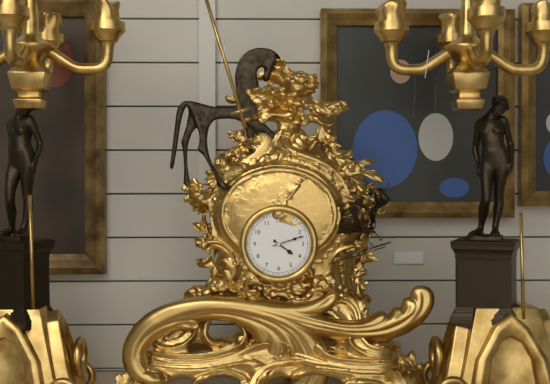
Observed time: 4h12
